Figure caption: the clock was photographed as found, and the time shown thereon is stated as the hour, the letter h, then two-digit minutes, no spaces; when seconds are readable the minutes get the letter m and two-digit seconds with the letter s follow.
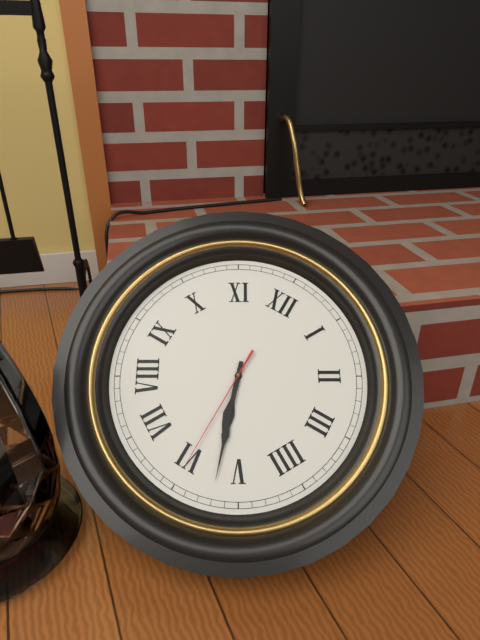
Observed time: 5h27m30s
